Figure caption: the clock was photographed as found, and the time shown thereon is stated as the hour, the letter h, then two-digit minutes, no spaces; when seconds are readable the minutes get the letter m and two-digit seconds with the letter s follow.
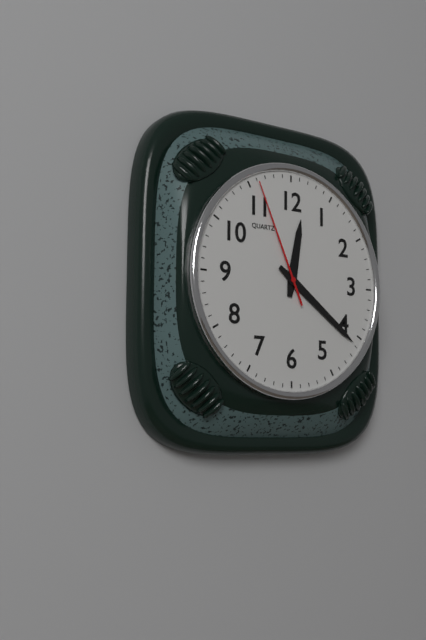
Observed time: 12h21m56s
